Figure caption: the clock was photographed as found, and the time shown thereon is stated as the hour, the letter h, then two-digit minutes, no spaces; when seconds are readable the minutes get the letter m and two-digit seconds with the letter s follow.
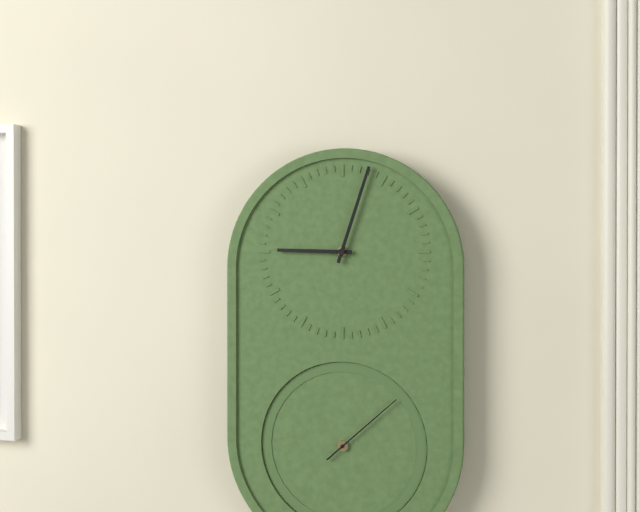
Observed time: 9h03m08s
